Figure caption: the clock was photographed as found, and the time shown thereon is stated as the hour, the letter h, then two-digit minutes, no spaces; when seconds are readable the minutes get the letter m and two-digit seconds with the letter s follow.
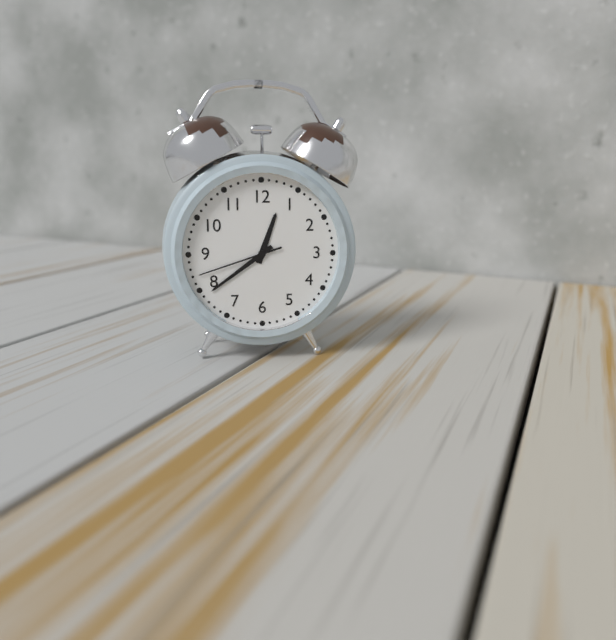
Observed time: 12h39m42s
